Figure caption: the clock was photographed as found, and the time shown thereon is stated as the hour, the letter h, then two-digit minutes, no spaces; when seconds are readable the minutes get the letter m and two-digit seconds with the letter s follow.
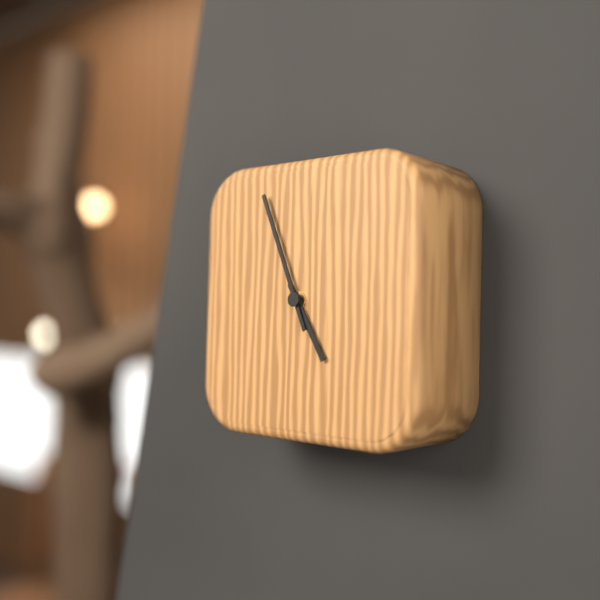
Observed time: 4h56
